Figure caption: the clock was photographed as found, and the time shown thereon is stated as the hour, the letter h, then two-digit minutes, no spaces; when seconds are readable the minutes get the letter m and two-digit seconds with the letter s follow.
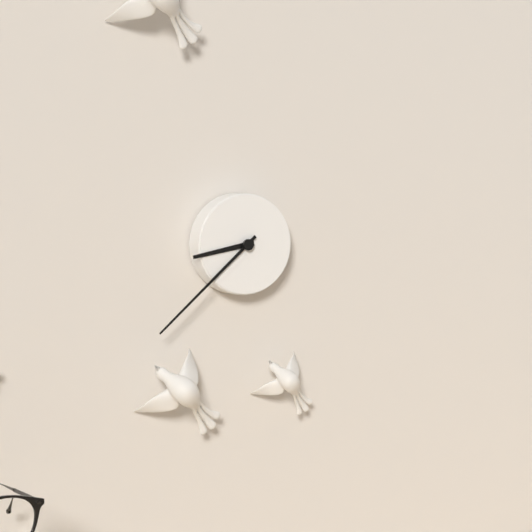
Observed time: 8h38
